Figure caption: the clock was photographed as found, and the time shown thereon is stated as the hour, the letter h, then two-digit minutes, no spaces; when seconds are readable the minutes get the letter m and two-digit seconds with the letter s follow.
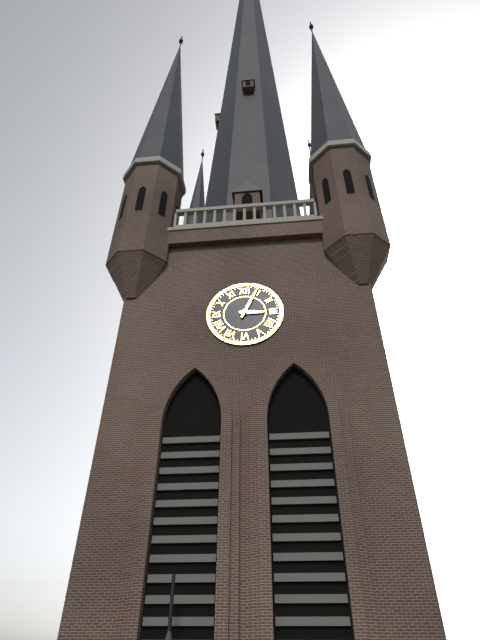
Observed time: 3h04
